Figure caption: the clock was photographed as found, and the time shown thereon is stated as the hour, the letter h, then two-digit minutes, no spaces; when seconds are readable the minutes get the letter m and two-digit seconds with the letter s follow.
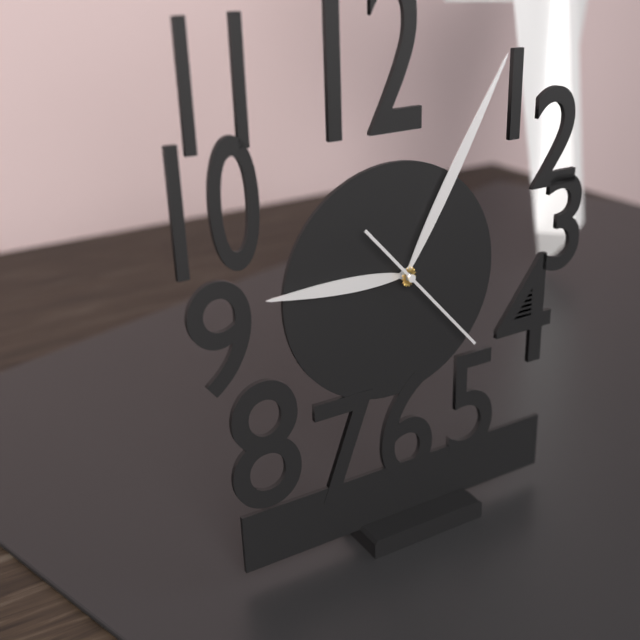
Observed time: 9h05m23s
